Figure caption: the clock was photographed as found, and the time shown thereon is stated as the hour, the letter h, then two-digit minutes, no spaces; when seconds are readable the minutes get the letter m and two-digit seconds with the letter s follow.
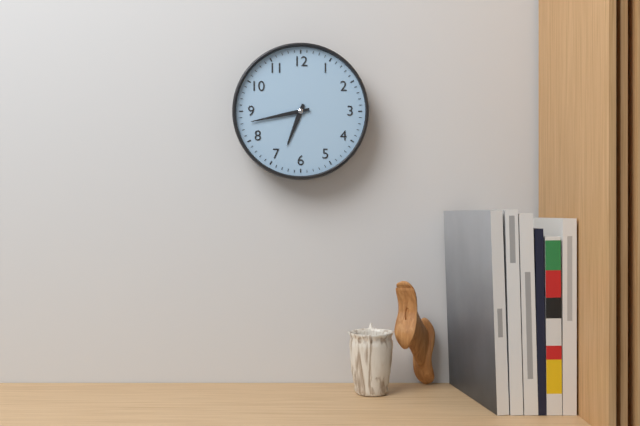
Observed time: 6h43
